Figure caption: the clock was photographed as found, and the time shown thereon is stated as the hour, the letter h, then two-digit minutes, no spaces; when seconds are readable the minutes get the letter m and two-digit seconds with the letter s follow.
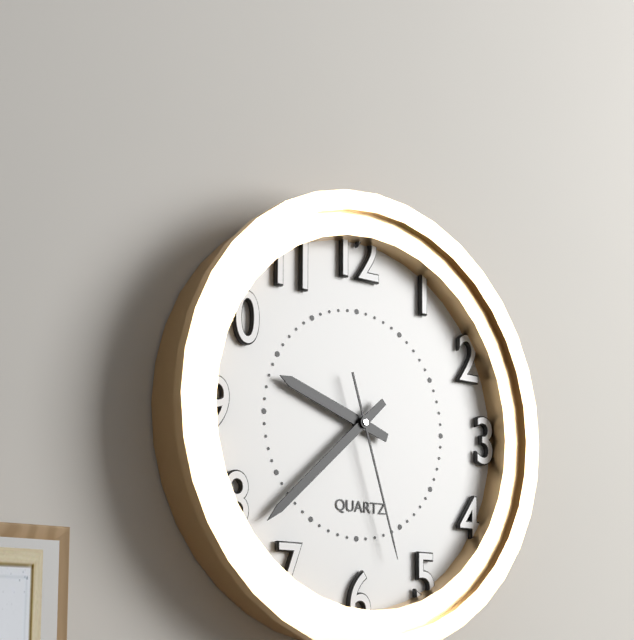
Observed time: 9h38m27s
